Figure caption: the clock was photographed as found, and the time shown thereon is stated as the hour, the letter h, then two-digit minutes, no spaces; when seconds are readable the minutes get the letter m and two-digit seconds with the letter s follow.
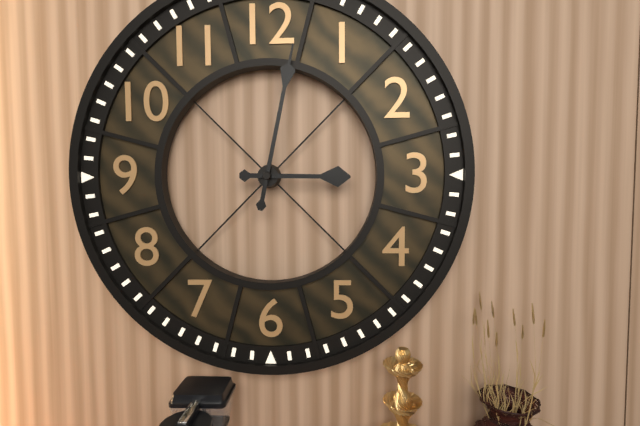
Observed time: 3h02
